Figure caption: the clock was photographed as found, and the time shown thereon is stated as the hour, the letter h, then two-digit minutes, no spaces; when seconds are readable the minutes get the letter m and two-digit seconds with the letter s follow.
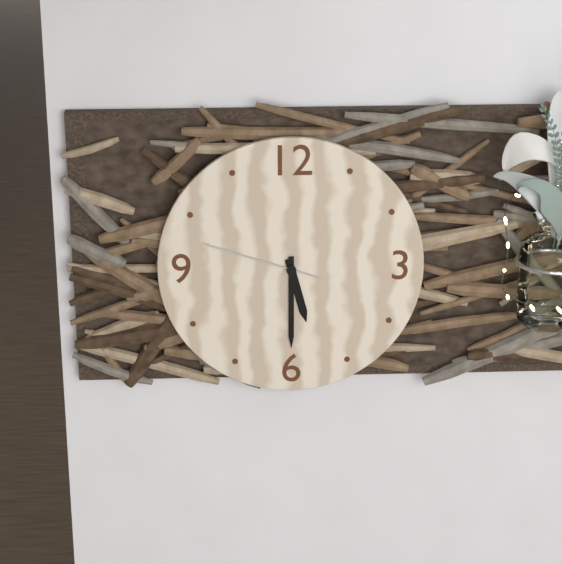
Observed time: 5h30m48s
